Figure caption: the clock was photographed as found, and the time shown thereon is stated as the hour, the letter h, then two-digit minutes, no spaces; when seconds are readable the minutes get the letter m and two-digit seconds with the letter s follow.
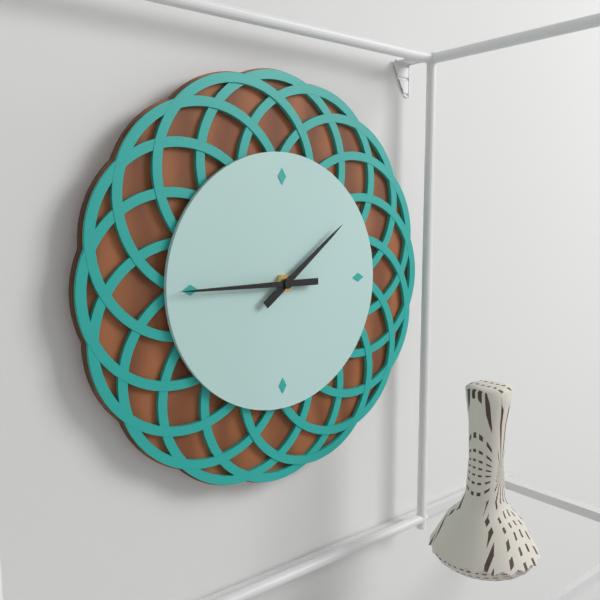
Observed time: 1h45
